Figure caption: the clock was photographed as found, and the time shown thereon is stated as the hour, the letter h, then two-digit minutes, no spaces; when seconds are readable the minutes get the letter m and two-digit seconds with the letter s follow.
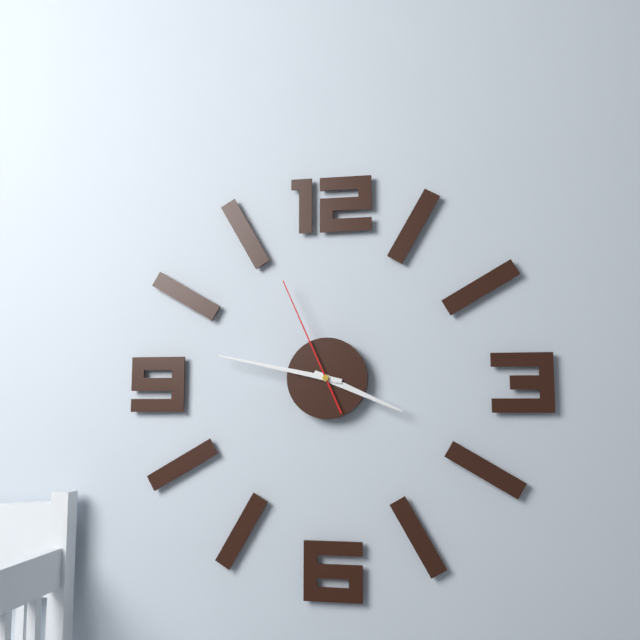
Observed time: 3h47m56s
